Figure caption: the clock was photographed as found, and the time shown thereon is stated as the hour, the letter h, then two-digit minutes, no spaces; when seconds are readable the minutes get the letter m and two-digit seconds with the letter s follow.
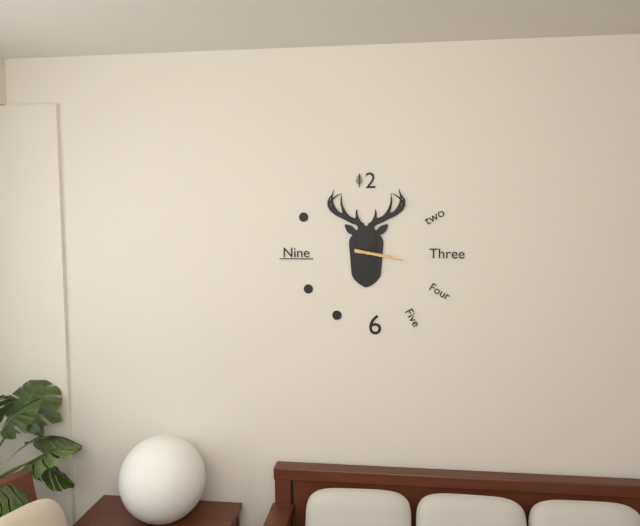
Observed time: 3h17
